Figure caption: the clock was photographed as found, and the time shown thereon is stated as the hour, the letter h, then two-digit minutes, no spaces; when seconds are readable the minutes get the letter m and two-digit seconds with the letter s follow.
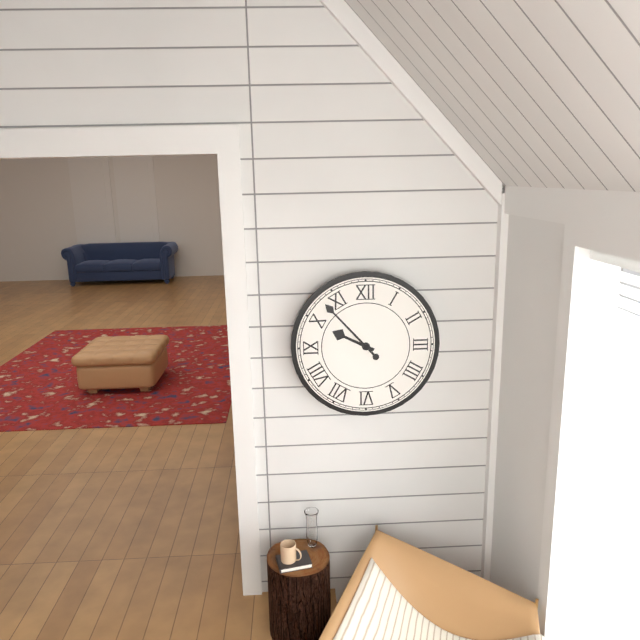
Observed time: 9h53
